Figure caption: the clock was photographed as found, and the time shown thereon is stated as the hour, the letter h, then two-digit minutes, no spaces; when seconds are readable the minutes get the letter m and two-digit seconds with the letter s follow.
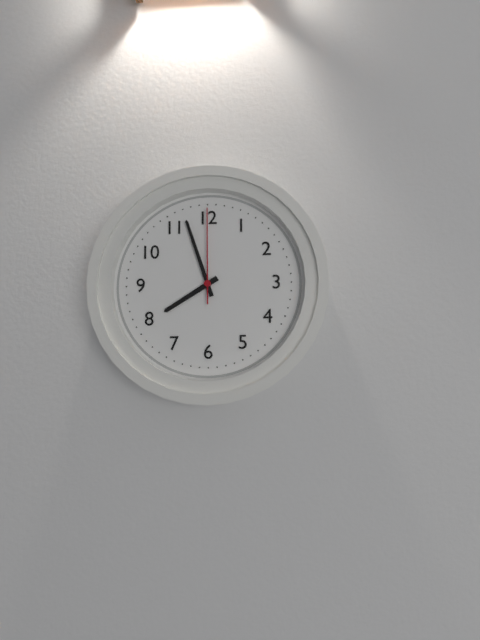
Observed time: 7h57m00s
